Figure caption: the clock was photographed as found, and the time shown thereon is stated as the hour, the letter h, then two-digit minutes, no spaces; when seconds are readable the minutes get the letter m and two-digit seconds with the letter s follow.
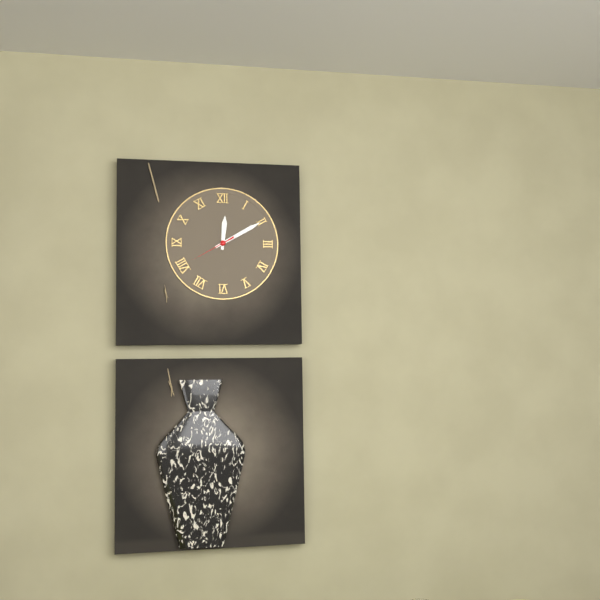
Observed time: 12h10
